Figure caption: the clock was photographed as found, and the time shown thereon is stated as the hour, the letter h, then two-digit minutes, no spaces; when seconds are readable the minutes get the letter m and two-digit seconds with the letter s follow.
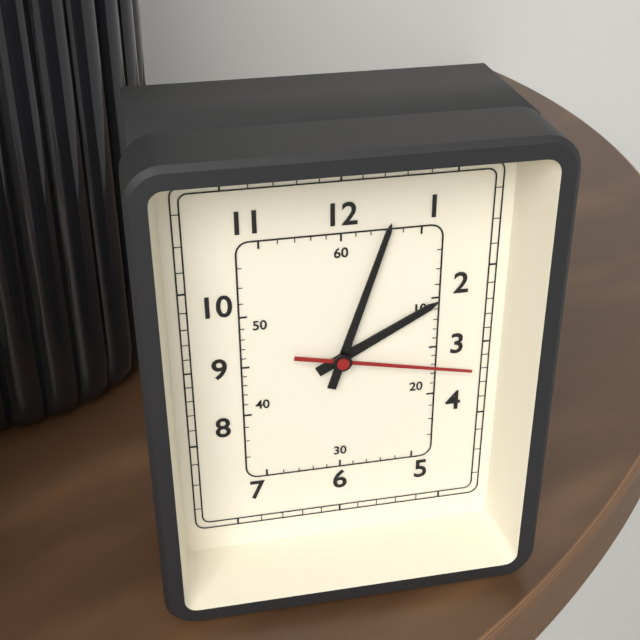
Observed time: 2h03m17s
